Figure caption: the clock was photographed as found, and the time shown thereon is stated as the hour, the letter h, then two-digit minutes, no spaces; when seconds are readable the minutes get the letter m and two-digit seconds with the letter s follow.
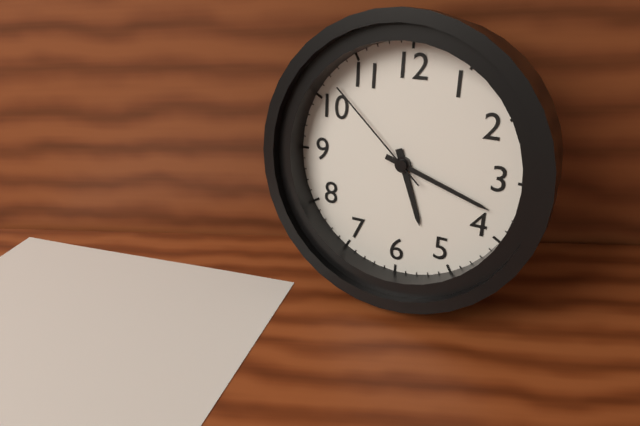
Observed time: 5h18m52s
